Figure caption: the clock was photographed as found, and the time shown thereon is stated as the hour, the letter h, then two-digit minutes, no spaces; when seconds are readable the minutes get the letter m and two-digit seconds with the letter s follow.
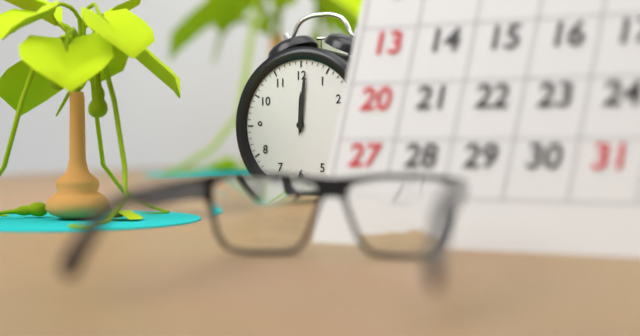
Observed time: 12h01
